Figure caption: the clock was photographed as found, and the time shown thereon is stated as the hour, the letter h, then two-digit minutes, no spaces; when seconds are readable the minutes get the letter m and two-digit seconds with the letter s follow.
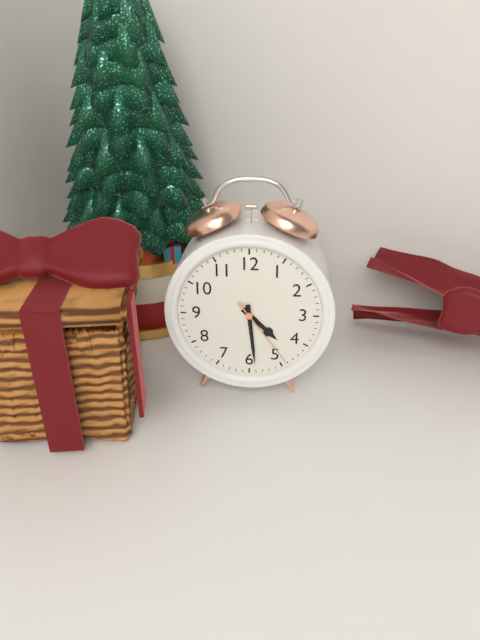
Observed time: 4h29m24s
